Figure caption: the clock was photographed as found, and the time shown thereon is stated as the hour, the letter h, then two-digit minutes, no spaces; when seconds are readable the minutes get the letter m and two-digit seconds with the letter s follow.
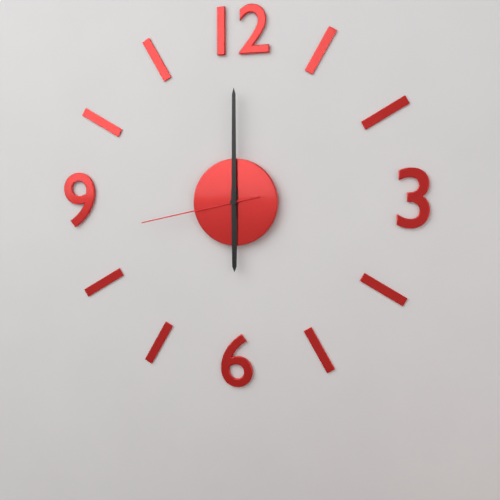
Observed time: 6h00m43s
